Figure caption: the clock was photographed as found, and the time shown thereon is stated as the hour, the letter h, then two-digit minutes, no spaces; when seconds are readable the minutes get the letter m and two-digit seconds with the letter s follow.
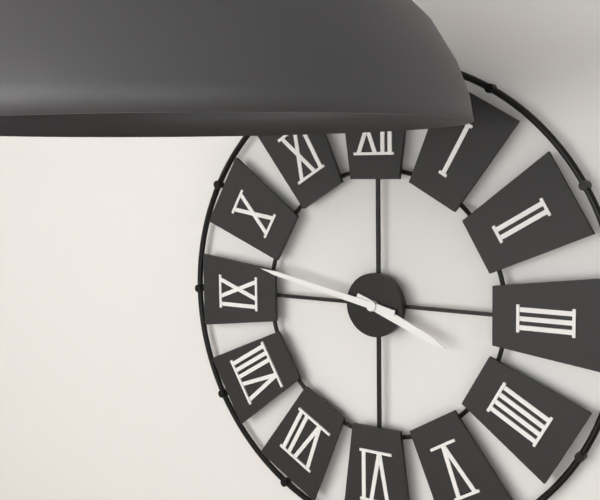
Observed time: 3h47
